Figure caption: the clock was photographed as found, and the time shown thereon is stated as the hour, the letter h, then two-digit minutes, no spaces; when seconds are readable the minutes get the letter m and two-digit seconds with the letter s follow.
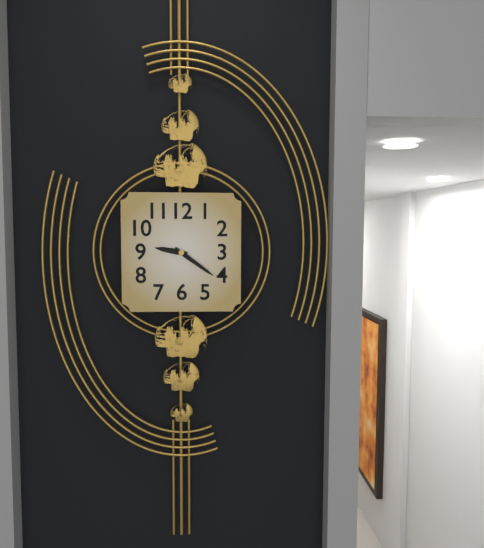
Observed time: 9h21
